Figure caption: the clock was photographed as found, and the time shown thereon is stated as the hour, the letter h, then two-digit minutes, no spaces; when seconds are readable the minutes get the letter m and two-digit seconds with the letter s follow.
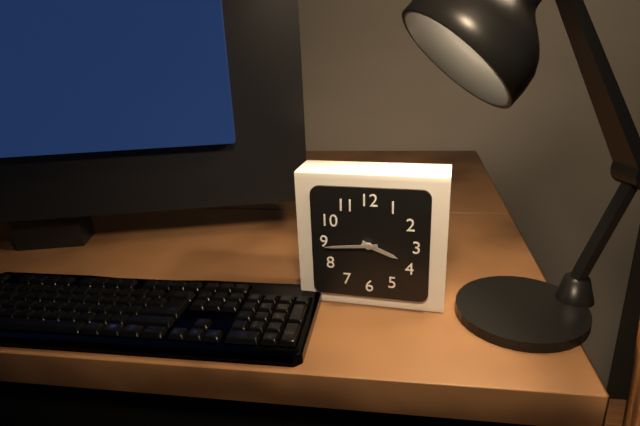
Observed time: 3h44
